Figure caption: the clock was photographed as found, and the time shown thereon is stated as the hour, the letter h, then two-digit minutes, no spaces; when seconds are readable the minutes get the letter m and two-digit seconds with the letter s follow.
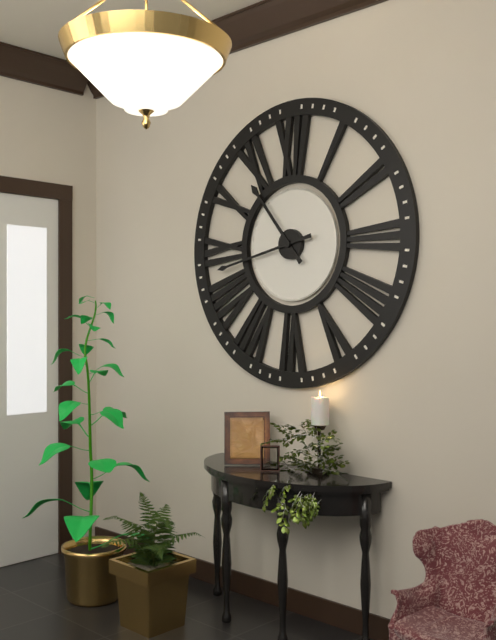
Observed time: 10h43
